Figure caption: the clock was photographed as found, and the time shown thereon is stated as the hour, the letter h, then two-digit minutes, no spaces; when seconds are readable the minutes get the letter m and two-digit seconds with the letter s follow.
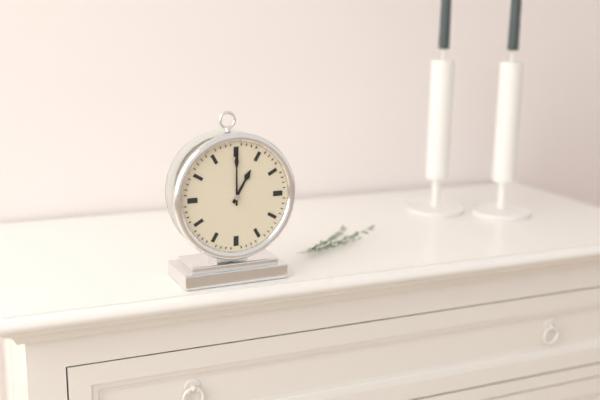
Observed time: 1h00
